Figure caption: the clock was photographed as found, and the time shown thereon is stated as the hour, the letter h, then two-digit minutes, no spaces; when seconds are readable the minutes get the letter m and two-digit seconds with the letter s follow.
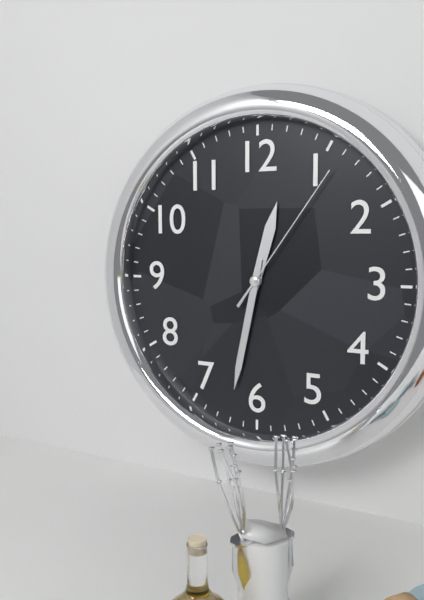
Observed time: 12h32m06s
